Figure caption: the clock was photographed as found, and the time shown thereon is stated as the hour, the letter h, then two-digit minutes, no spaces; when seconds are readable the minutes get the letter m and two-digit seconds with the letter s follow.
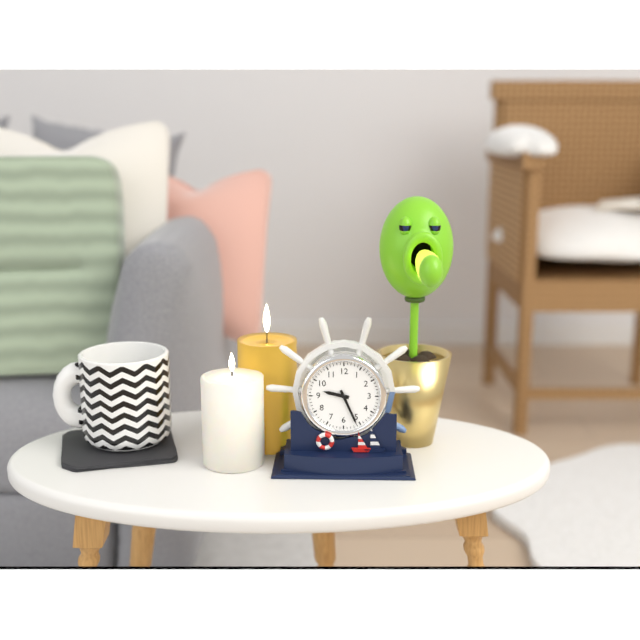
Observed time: 9h26
